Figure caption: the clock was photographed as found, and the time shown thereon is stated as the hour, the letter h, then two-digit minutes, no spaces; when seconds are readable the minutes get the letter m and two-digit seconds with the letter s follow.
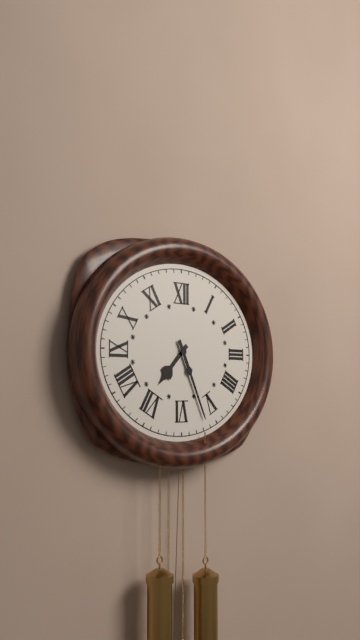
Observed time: 7h26
